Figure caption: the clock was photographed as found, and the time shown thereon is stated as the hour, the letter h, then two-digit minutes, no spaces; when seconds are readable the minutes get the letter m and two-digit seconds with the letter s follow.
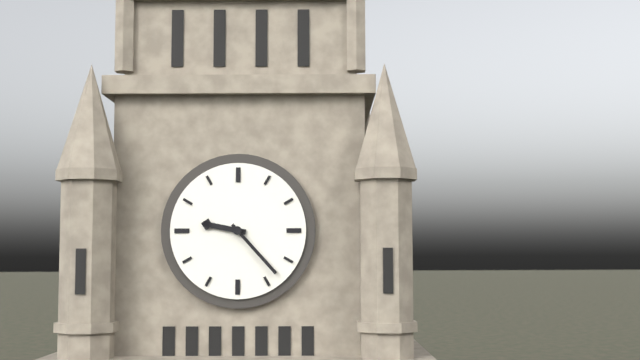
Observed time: 9h23
